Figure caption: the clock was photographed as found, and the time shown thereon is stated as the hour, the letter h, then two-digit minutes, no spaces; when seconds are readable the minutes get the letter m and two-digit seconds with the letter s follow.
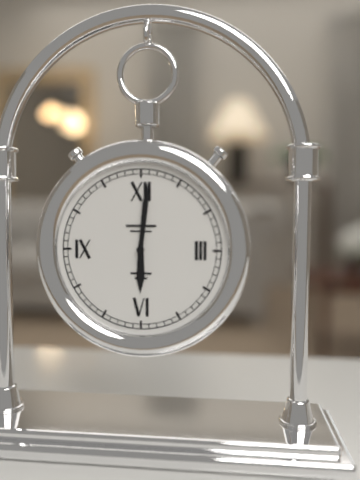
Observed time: 6h01
